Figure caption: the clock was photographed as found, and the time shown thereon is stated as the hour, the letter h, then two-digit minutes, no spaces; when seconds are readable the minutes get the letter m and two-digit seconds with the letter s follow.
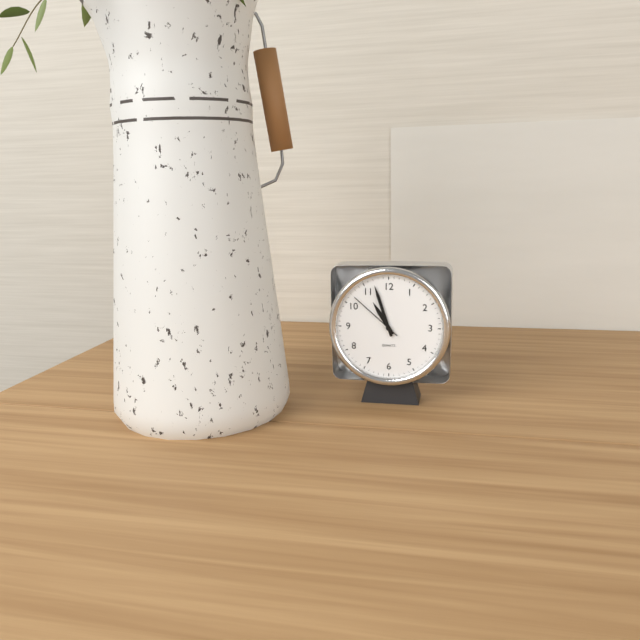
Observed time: 10h57m52s
